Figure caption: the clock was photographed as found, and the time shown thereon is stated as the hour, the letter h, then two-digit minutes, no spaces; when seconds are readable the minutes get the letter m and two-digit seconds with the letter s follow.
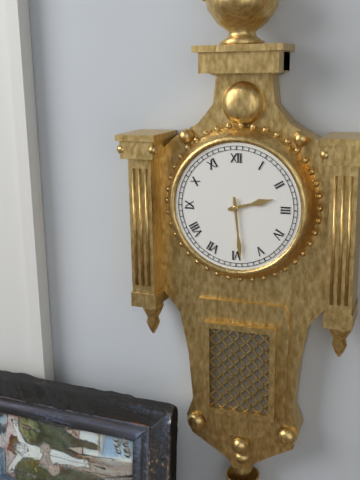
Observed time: 2h29
